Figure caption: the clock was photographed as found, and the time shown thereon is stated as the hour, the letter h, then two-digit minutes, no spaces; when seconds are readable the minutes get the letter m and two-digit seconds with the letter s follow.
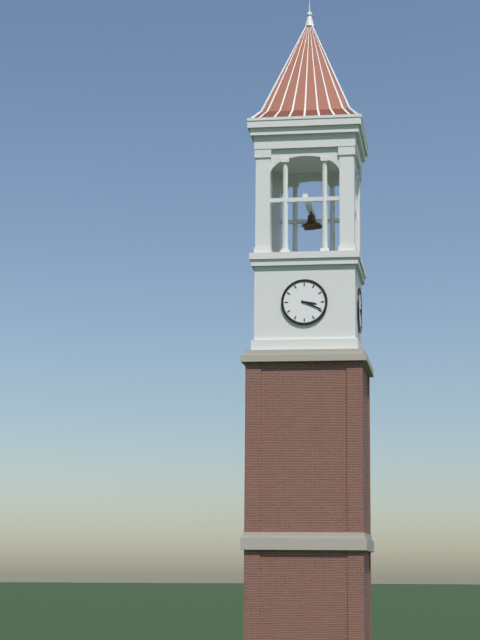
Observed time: 3h19
